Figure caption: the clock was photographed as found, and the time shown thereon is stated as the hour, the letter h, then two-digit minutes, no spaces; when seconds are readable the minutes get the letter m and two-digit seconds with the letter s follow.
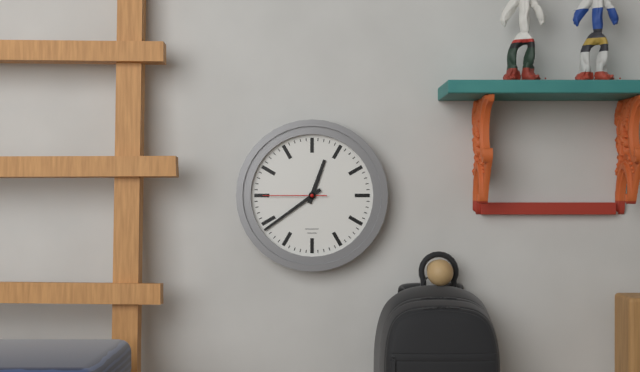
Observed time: 12h39m45s
